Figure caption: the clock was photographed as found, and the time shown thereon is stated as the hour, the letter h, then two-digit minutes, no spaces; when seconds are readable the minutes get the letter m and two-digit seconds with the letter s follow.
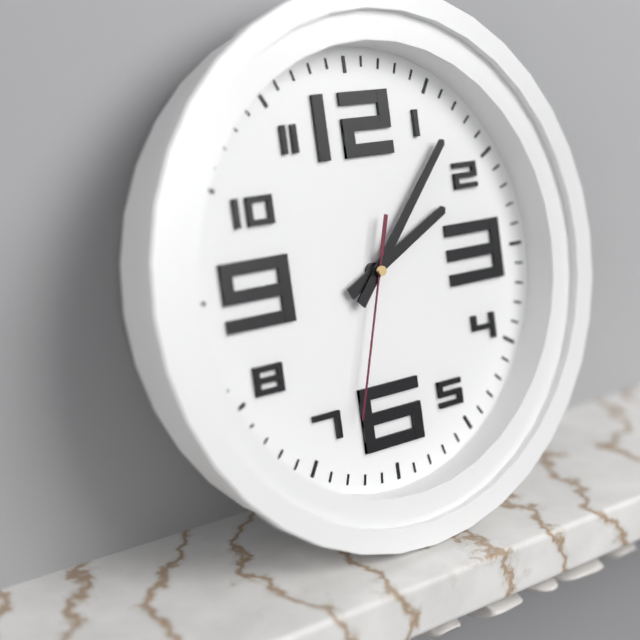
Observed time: 2h07m33s
